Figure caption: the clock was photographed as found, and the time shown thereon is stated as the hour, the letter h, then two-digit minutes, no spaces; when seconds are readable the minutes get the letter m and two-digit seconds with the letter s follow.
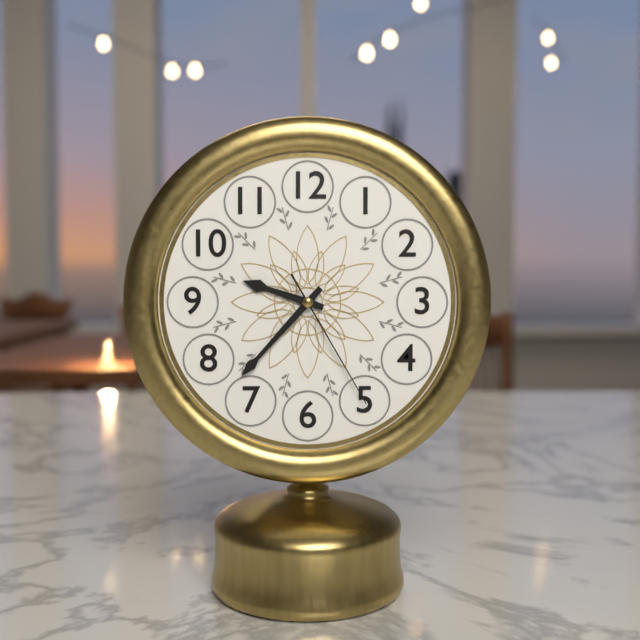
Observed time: 9h37m25s
